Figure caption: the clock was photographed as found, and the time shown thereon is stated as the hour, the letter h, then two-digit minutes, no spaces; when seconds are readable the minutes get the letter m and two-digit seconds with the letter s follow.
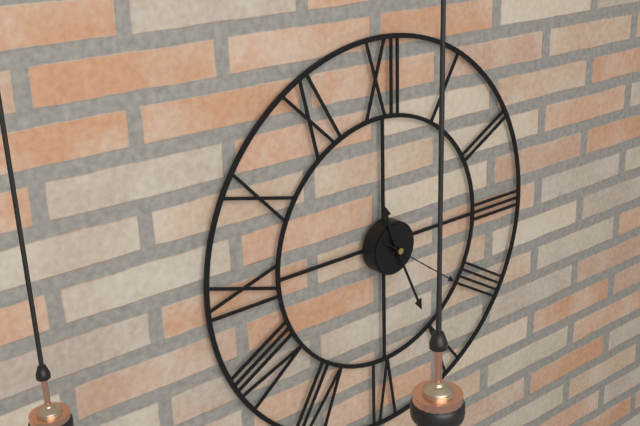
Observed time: 11h26m21s
